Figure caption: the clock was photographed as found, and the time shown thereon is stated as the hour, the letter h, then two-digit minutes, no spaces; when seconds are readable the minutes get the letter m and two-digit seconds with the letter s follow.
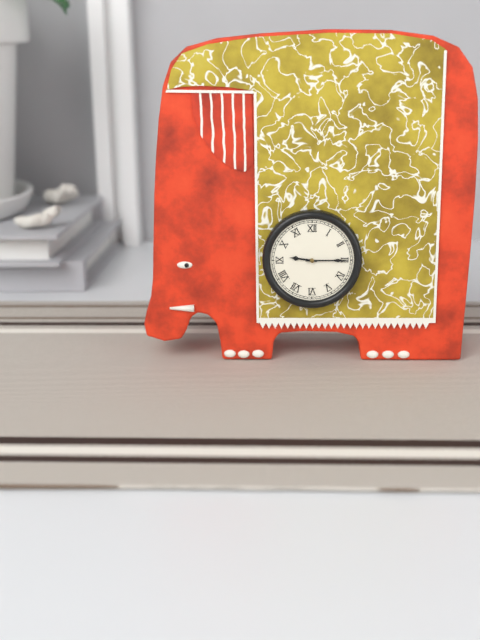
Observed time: 9h15
